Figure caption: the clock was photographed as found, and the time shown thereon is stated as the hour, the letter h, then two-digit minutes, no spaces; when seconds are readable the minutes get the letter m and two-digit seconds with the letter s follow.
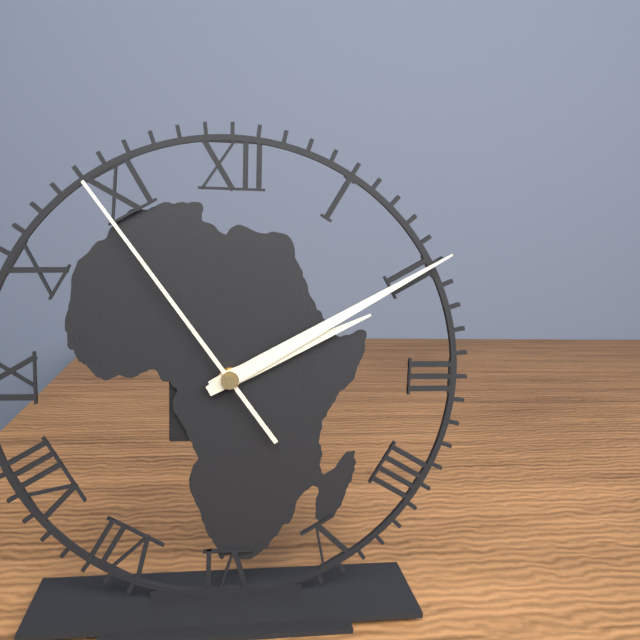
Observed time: 2h10m54s
